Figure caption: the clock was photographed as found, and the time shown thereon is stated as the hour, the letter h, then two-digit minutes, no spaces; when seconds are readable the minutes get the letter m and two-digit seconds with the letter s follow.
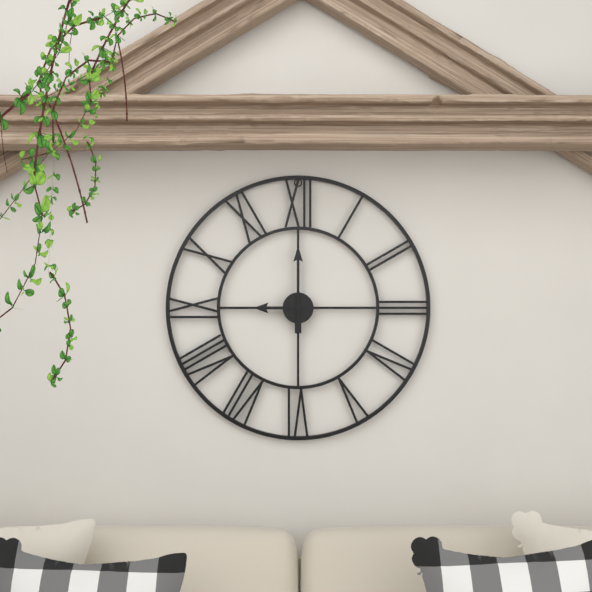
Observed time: 9h00
